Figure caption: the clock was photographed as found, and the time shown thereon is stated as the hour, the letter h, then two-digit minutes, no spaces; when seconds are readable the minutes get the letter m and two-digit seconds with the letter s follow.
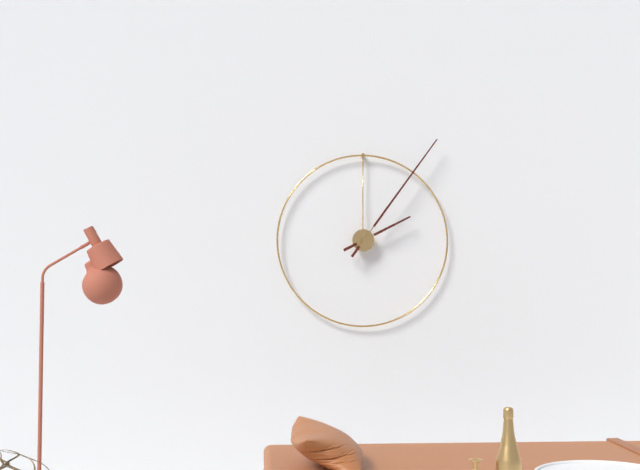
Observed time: 2h06
